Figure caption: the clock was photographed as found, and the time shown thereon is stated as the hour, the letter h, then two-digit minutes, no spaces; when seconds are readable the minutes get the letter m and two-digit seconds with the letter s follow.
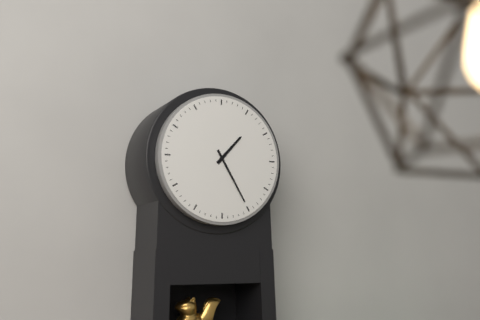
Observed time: 1h25
